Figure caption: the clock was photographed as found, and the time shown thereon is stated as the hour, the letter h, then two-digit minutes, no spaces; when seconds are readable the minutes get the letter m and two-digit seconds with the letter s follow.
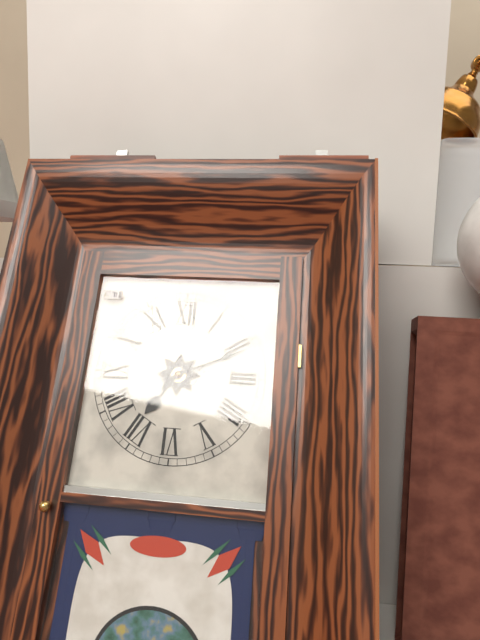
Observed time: 7h11
